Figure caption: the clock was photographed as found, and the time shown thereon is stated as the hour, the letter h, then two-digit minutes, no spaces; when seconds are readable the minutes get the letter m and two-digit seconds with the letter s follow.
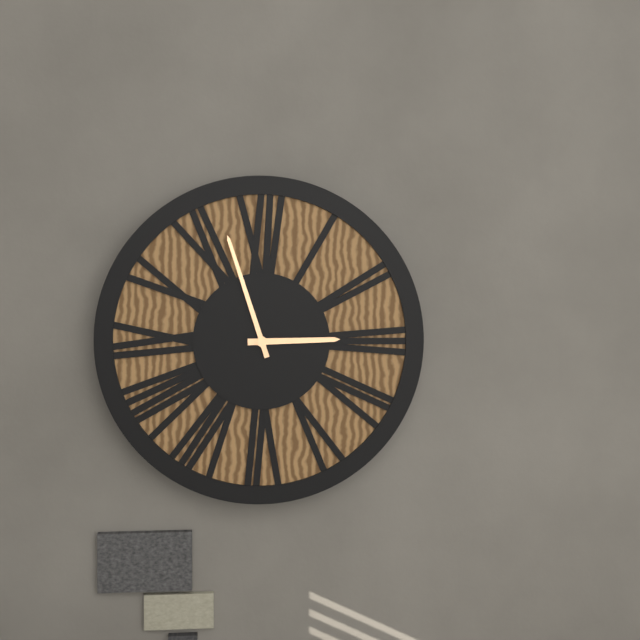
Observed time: 2h57
